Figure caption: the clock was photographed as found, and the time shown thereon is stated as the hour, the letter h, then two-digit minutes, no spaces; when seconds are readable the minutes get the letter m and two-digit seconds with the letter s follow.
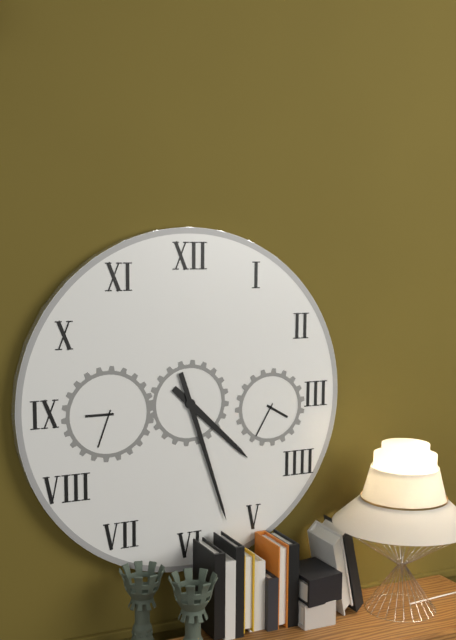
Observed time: 4h27
